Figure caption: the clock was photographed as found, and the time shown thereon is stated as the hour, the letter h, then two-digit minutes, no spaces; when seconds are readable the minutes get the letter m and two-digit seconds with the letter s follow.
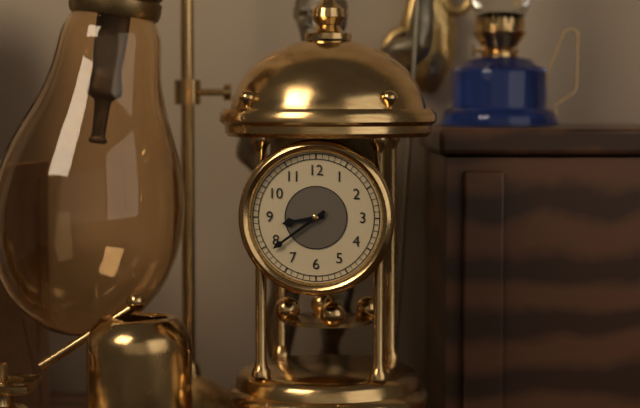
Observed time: 8h39
